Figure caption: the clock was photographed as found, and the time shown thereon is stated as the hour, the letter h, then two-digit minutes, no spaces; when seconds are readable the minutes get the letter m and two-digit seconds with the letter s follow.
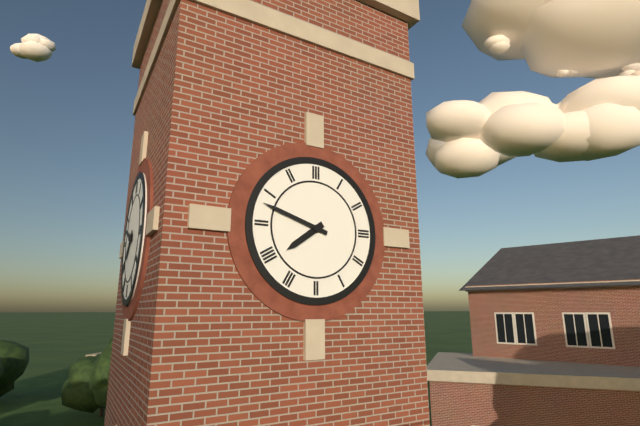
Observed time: 7h48
